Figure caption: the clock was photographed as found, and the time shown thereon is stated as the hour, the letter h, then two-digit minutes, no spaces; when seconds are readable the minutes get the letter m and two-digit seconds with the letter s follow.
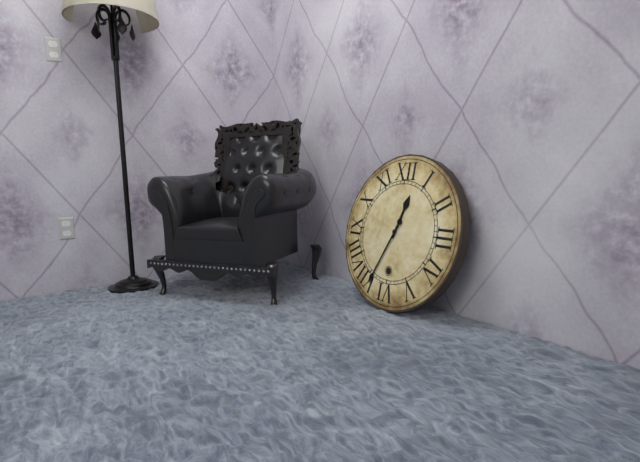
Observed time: 12h34
